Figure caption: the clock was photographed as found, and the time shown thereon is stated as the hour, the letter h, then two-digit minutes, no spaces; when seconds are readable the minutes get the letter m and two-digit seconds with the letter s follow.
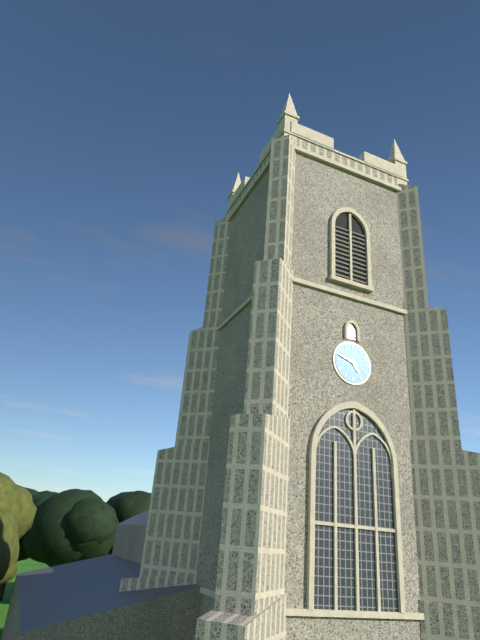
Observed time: 4h48
